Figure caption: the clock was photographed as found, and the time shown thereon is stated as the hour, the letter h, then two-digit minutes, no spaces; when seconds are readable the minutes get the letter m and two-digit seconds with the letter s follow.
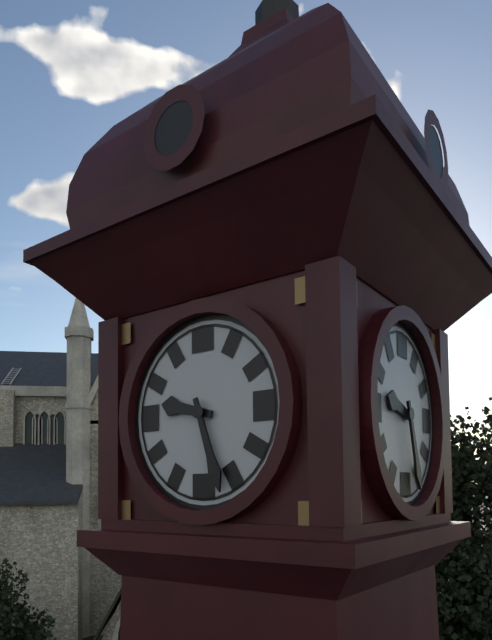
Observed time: 9h27
